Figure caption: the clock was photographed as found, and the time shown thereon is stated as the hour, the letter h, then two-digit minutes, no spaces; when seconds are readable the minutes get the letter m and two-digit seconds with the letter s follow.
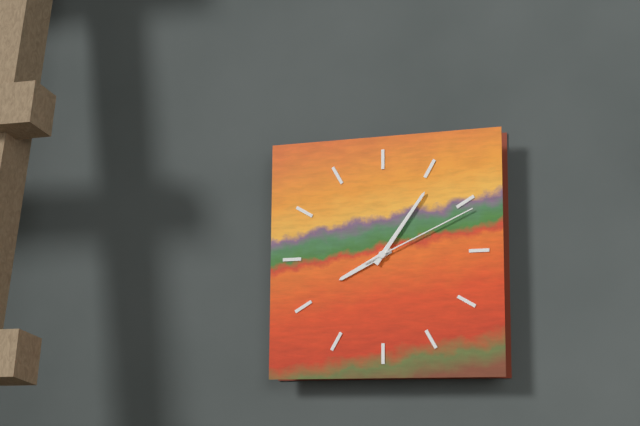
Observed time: 8h06m11s
